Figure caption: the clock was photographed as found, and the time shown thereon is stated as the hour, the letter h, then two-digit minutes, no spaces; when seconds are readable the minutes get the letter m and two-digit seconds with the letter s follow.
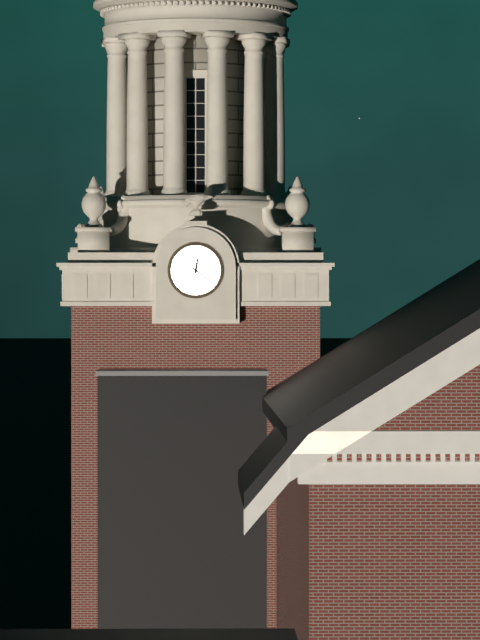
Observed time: 12h21
